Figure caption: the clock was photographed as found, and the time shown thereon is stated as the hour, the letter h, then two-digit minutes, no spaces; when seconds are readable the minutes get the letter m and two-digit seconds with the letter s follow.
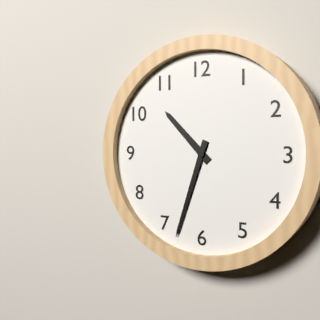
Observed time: 10h33
